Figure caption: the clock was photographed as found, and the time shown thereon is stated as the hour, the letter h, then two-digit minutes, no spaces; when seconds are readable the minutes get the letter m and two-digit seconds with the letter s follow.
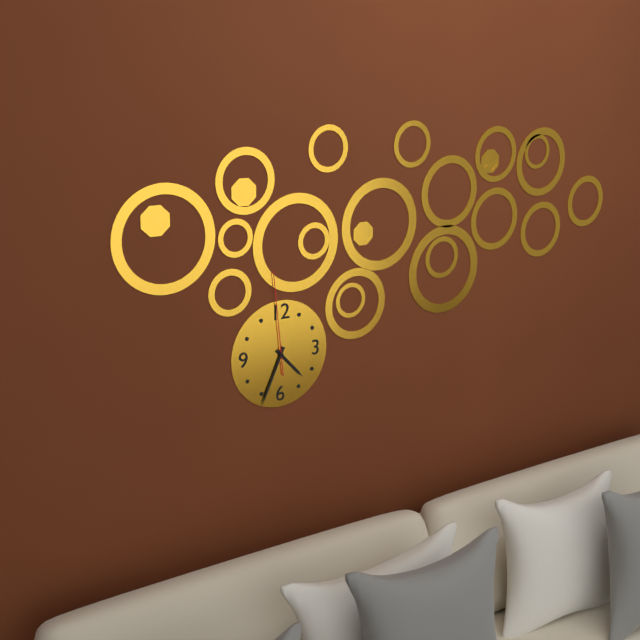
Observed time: 4h34m59s
